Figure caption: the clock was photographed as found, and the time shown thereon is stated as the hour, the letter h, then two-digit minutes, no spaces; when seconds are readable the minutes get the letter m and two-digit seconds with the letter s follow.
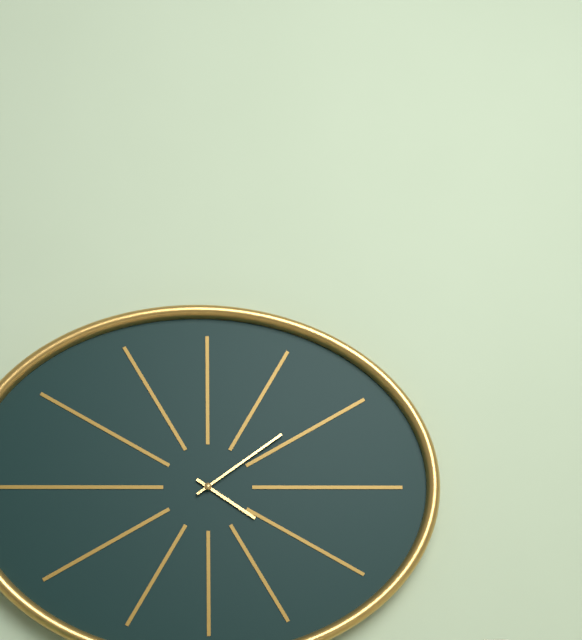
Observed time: 4h09
